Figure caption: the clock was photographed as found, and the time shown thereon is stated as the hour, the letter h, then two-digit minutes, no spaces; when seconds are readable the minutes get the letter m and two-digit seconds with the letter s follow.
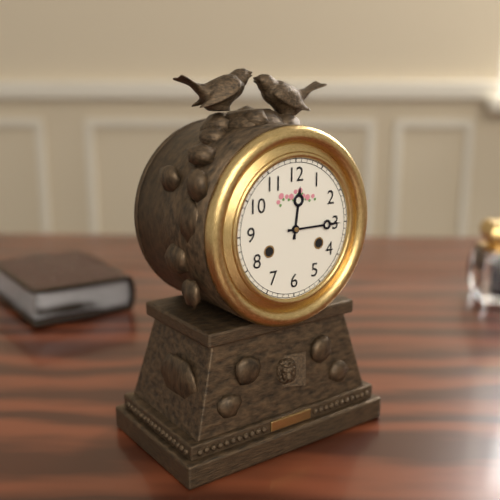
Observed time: 12h15
